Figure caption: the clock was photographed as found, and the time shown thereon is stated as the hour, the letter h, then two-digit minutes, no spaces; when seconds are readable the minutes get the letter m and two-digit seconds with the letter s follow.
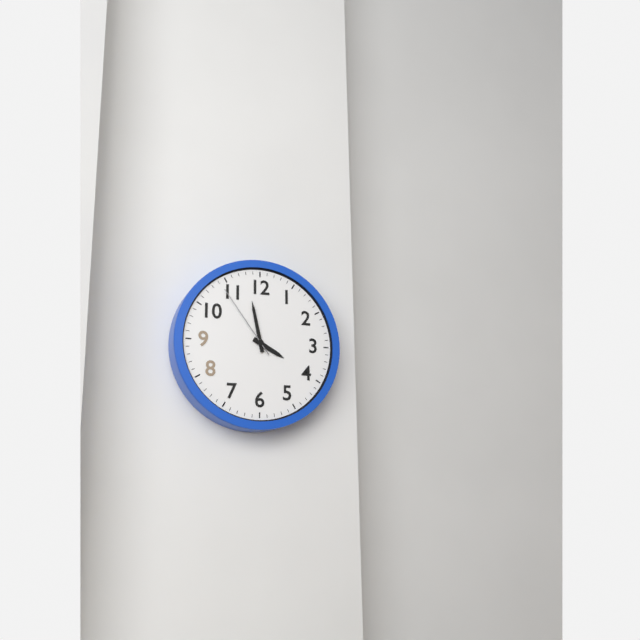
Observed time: 3h58m54s
